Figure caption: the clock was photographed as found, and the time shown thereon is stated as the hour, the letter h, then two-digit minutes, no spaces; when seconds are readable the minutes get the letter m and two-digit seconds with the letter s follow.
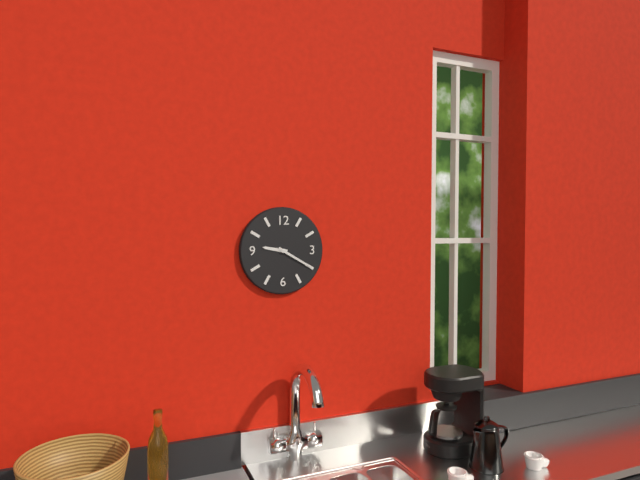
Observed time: 9h20
